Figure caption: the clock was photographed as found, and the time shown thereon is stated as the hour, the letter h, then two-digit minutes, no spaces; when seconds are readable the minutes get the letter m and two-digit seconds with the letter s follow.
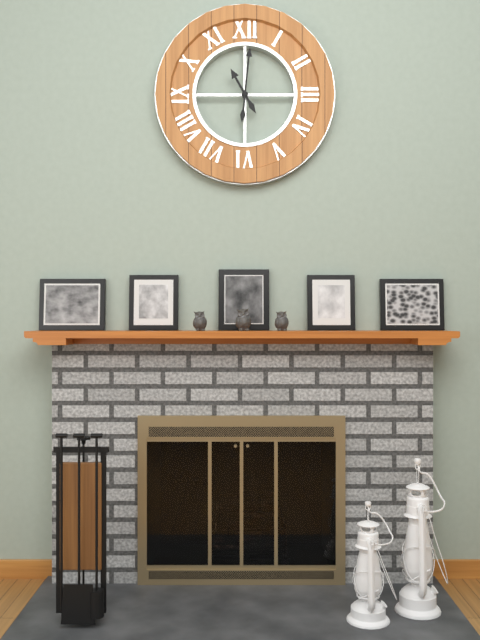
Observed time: 11h01
